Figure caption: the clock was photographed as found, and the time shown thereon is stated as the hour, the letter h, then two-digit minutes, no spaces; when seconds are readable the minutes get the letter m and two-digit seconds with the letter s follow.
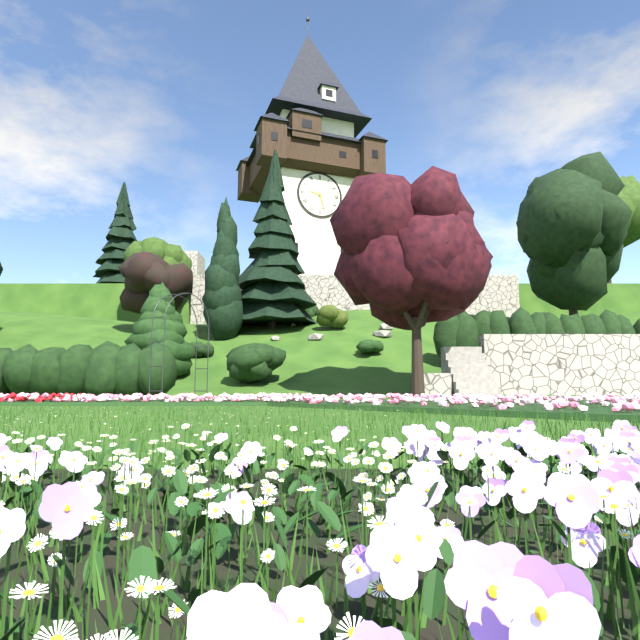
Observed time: 9h27
